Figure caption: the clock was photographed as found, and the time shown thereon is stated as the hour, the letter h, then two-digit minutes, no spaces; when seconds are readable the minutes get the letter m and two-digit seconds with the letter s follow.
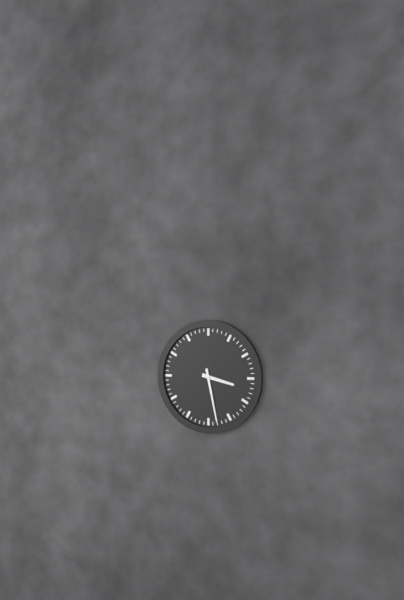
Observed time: 3h28
